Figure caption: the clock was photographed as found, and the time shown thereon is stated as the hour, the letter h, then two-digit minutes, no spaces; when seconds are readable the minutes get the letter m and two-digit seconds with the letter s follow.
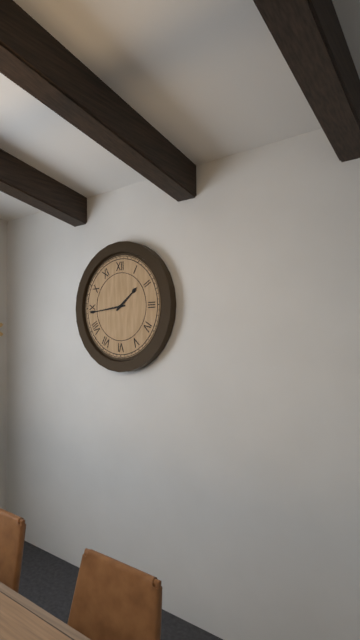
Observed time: 1h44
